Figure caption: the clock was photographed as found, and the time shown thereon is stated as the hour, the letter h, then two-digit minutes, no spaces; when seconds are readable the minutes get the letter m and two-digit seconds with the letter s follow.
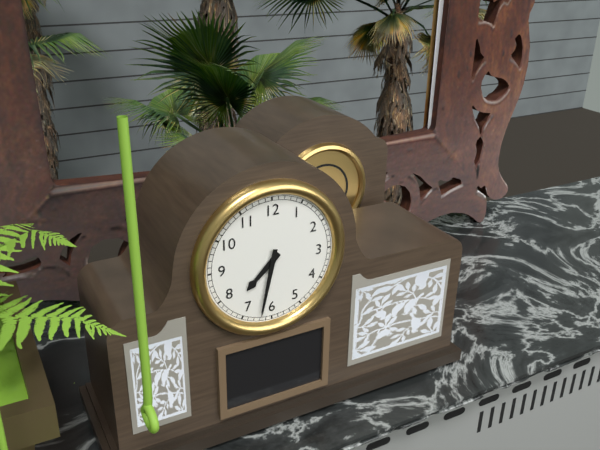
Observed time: 7h32
